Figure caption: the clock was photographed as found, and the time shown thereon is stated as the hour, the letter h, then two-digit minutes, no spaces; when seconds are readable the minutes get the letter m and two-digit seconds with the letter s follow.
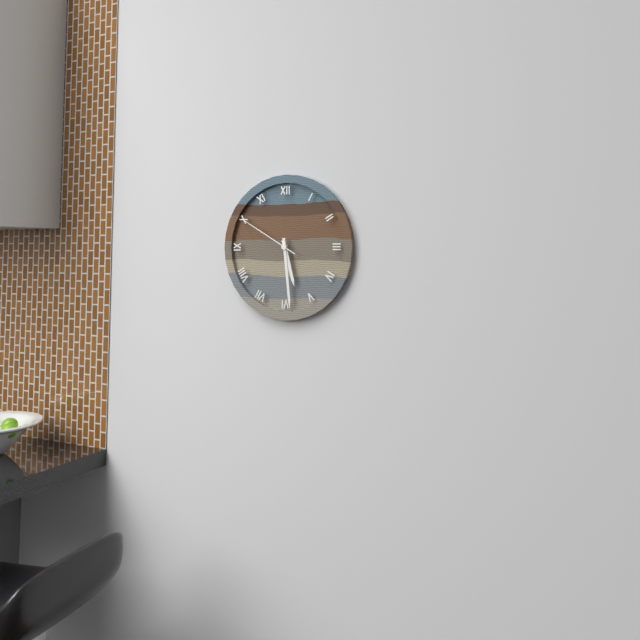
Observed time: 5h29m50s
